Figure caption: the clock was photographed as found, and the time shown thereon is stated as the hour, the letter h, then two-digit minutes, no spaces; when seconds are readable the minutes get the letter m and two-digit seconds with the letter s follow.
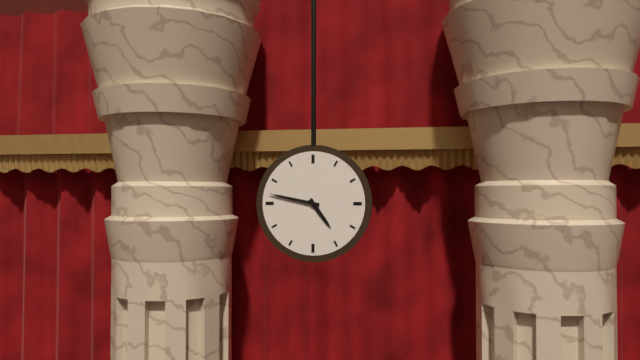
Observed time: 4h47
